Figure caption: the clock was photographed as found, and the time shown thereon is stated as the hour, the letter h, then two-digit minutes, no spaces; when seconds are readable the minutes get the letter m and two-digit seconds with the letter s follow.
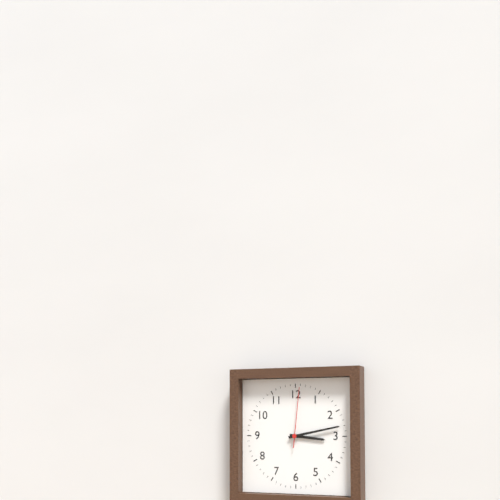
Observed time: 3h13m01s
